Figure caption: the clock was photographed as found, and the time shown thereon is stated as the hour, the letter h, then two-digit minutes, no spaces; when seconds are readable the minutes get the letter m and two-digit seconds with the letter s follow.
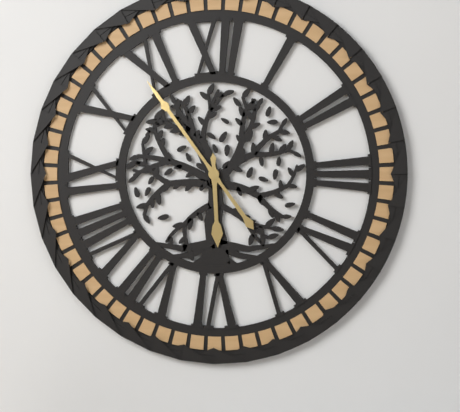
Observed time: 5h54
